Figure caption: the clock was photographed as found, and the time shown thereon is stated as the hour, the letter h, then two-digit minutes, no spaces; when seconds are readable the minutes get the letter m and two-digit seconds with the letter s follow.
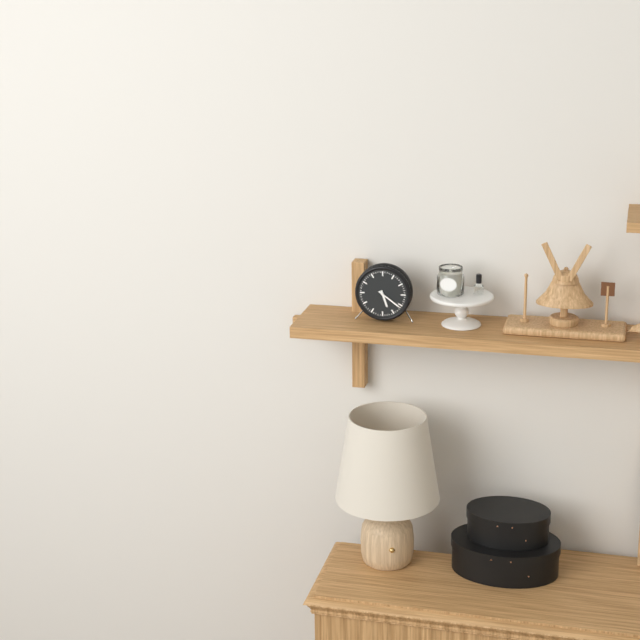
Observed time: 5h21
